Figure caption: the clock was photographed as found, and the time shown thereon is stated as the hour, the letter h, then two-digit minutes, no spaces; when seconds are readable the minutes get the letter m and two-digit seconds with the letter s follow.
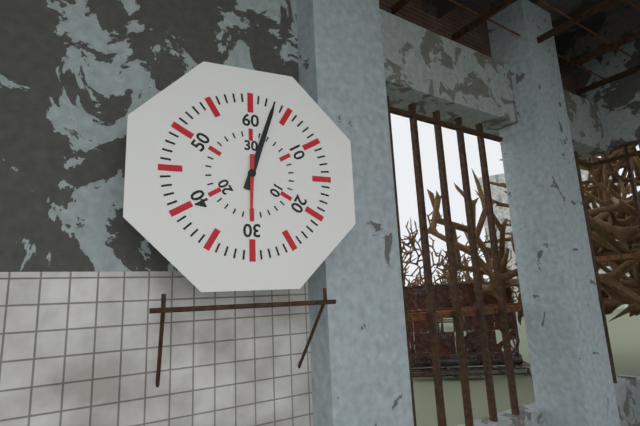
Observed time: 6h03
